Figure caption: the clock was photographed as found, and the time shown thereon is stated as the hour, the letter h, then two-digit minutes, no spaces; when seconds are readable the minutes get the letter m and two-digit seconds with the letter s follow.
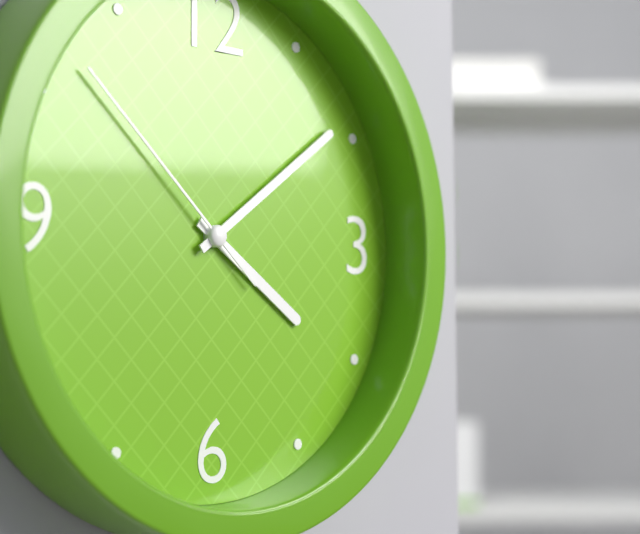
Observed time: 4h09m52s
